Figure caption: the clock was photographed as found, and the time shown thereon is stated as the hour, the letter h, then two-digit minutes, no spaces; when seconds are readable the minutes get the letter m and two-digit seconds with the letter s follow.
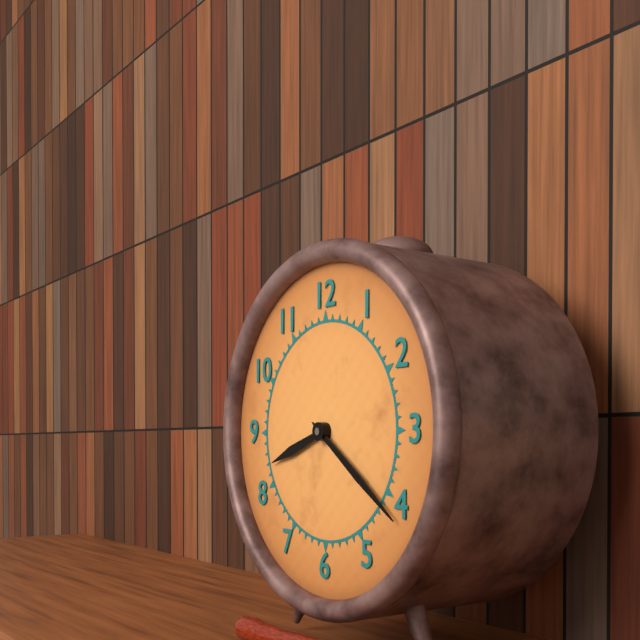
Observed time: 8h21
